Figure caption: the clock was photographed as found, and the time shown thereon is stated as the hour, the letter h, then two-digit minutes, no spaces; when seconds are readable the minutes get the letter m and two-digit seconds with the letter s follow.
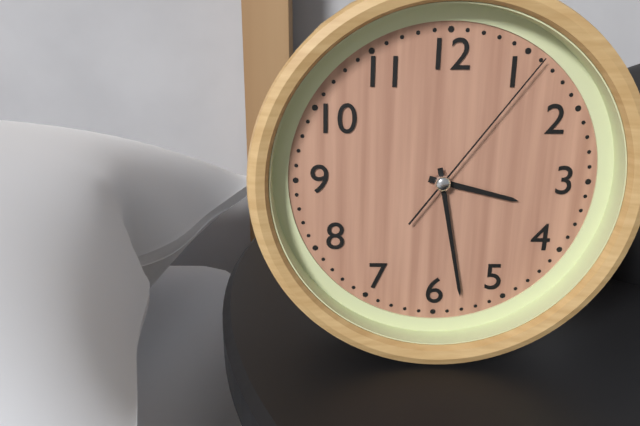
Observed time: 3h28m06s
